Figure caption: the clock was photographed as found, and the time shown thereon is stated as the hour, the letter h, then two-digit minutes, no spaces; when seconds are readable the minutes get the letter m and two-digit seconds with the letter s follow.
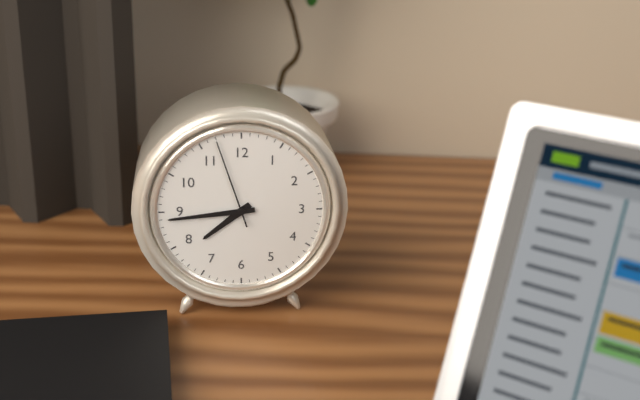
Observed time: 7h44m57s
